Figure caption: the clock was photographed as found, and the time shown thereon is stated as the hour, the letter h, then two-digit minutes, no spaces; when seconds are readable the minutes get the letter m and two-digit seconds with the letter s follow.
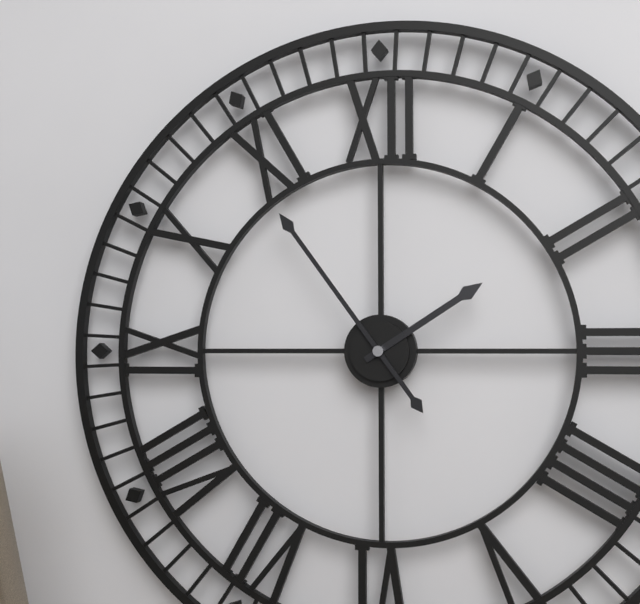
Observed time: 1h54
